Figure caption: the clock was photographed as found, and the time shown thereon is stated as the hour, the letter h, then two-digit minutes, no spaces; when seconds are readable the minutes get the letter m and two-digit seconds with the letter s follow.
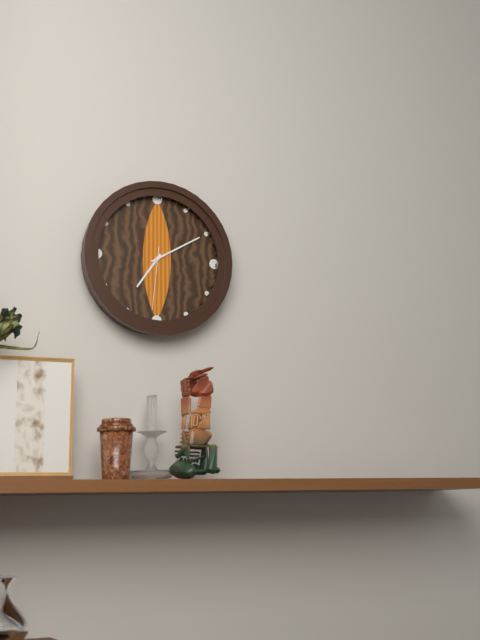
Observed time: 7h10m31s
